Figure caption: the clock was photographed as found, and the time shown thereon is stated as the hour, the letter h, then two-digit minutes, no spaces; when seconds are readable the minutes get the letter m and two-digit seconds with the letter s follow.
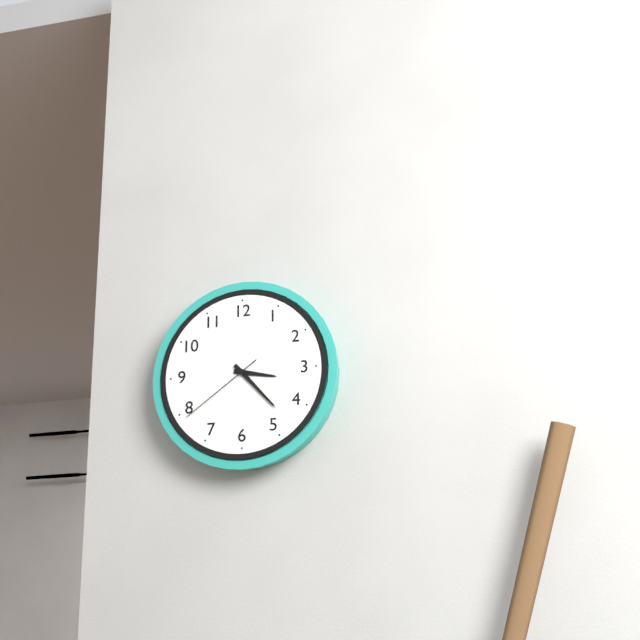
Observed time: 3h23m39s
